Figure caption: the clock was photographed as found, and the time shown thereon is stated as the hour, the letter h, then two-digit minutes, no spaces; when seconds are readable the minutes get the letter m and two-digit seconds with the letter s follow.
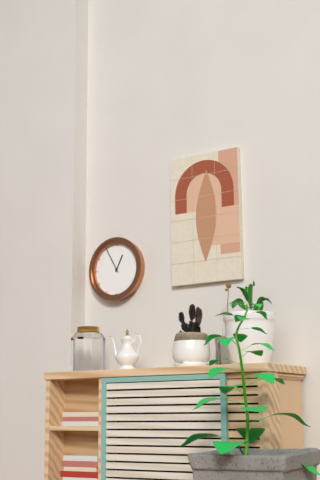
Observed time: 12h55
